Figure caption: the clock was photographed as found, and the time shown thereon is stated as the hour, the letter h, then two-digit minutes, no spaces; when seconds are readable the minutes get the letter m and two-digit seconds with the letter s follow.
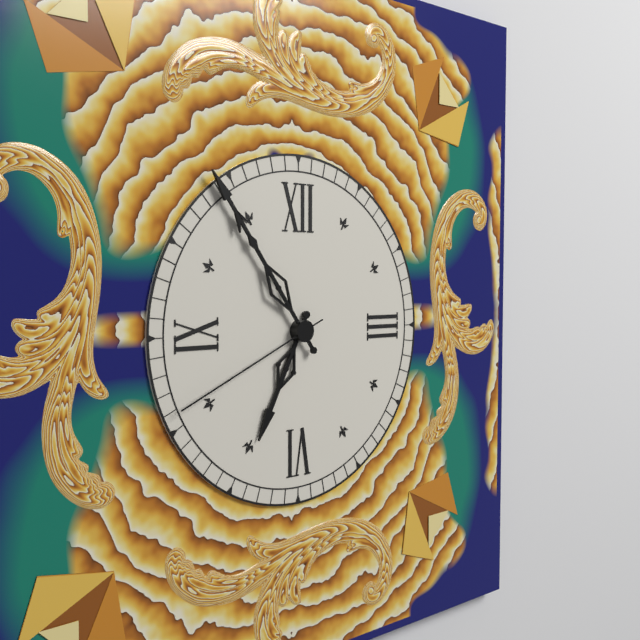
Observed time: 6h54m41s
